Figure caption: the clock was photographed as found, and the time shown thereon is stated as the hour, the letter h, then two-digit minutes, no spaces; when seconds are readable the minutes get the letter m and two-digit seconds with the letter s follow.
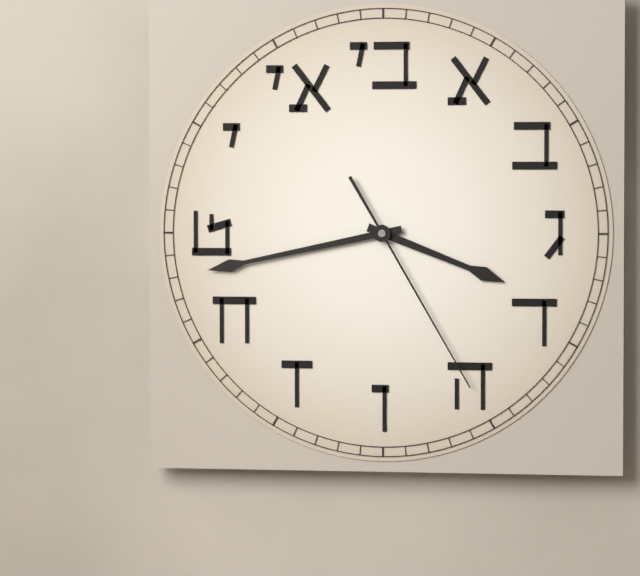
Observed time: 3h43m25s
